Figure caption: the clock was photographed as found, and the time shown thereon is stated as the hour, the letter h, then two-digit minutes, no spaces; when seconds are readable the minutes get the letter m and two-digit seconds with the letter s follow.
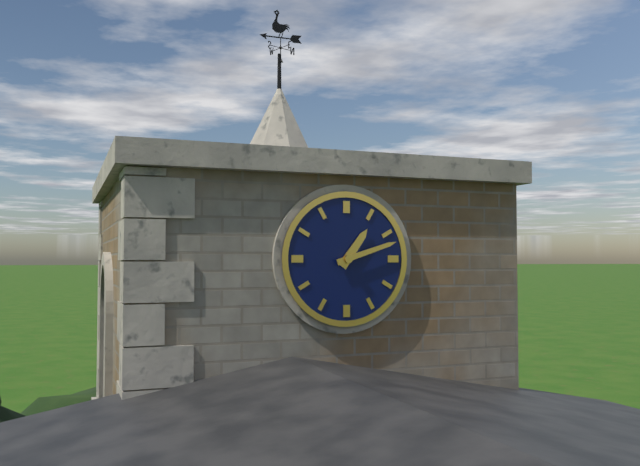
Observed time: 1h12
